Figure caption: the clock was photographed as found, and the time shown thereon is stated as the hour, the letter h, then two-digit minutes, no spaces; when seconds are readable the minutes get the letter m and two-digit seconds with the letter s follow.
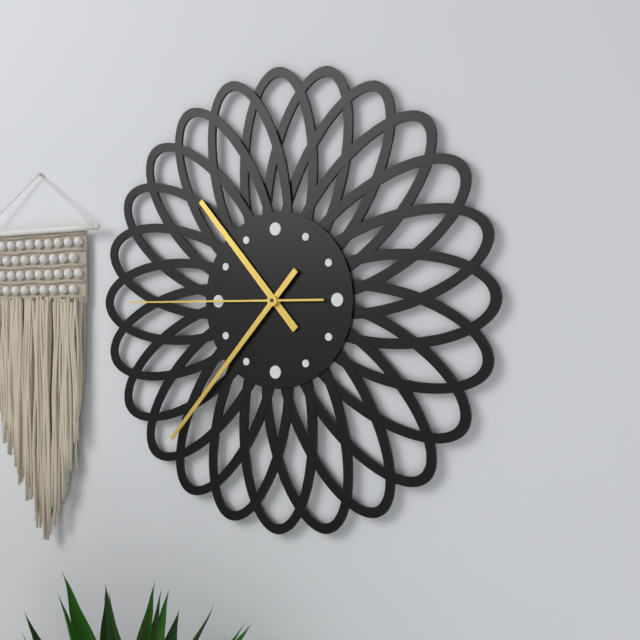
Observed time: 10h37m45s
